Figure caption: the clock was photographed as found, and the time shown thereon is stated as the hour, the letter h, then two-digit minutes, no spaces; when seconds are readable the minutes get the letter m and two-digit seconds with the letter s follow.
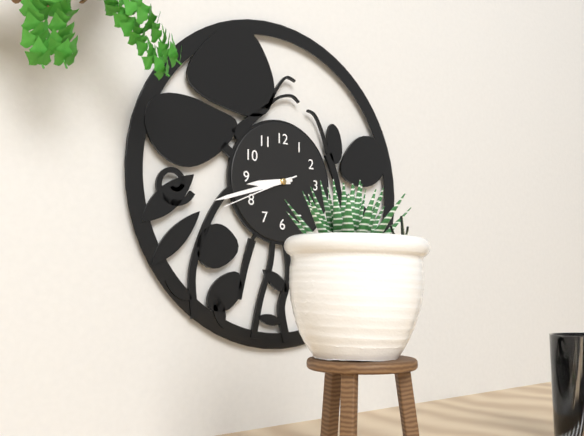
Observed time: 8h42m41s
